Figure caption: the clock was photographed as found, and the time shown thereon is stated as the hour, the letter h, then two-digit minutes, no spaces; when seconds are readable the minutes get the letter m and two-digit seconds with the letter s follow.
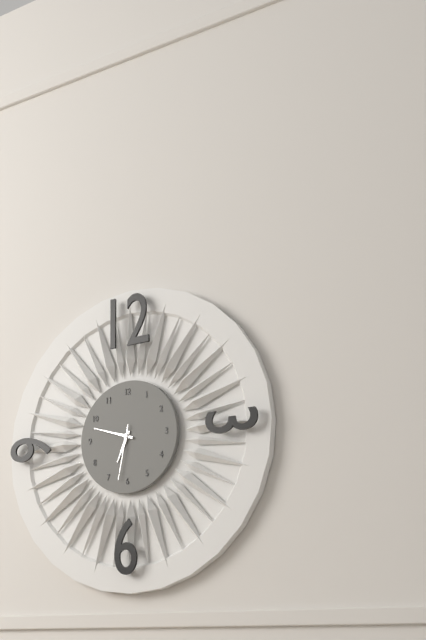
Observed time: 6h48m32s
